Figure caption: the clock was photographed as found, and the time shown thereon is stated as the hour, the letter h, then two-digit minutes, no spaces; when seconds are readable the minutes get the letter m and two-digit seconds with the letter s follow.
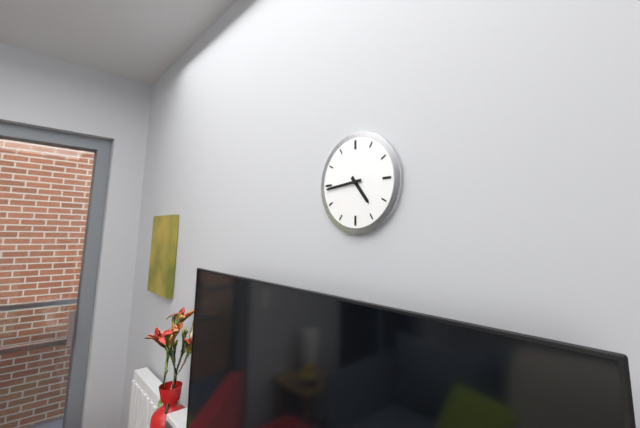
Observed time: 4h44
